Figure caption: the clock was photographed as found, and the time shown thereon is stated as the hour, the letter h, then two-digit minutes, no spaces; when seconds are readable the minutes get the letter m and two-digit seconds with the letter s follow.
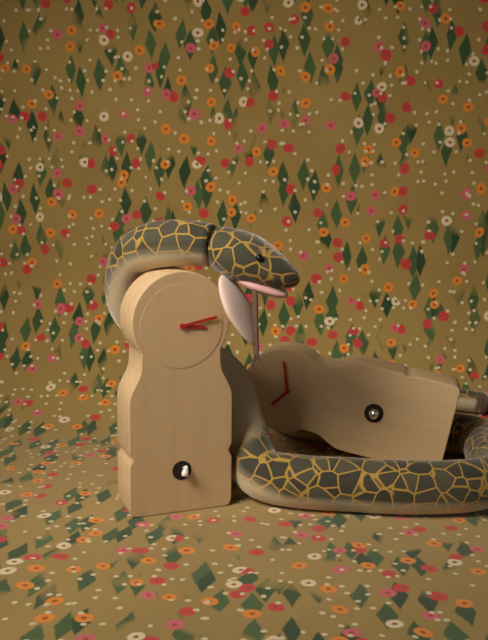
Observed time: 3h13
